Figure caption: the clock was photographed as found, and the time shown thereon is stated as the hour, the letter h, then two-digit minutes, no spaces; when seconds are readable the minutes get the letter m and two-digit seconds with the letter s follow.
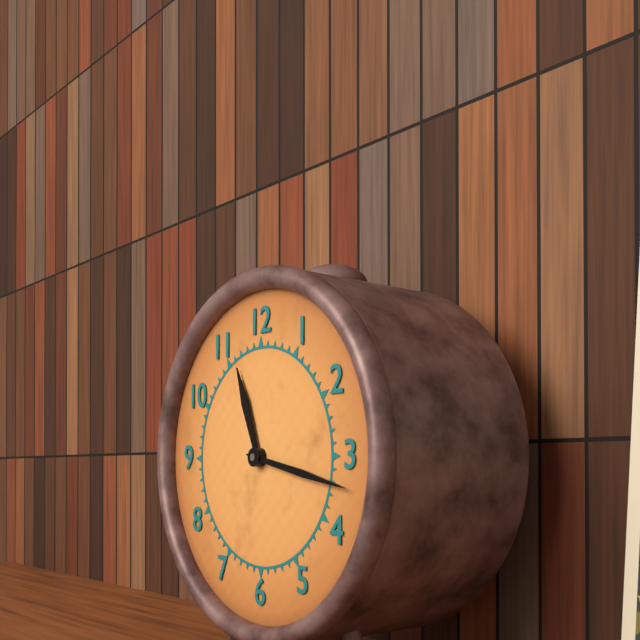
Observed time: 11h17
